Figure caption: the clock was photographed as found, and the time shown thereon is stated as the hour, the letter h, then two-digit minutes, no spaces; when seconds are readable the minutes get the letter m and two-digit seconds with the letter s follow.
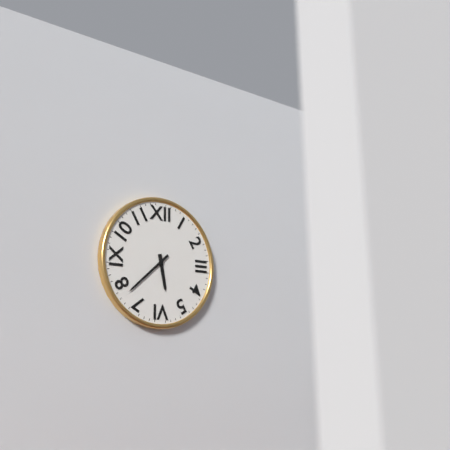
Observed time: 5h38
